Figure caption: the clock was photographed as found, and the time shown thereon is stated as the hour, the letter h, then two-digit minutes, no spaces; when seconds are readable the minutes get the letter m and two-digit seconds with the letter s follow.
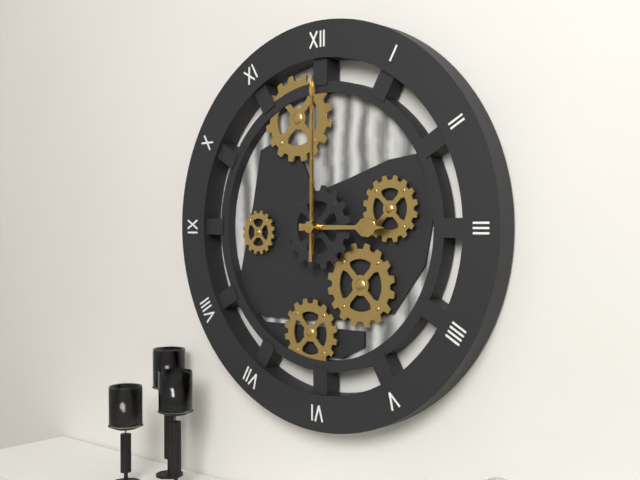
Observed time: 3h00m00s
